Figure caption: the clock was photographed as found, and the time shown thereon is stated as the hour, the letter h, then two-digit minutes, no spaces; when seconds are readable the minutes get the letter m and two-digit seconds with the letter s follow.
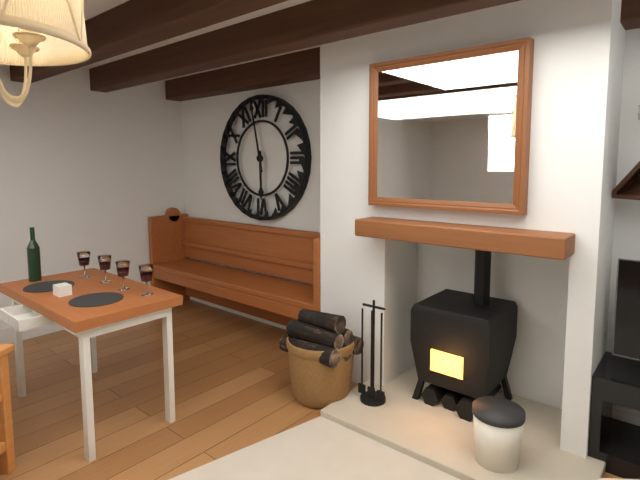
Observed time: 5h58
